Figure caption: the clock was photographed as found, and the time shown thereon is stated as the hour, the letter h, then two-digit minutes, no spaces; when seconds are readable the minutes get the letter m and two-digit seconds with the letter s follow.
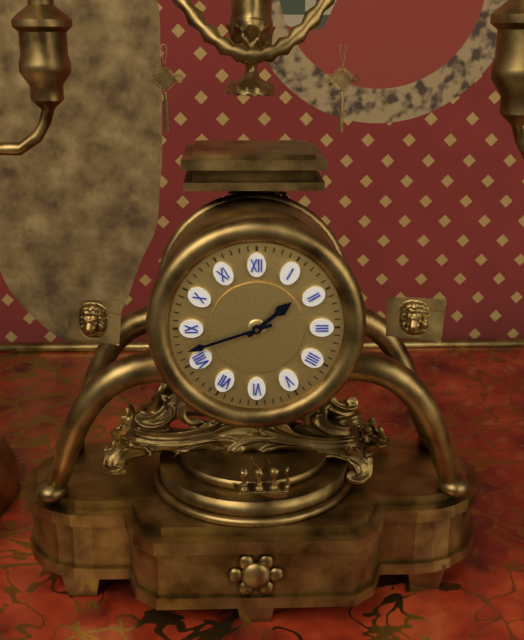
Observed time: 1h42
